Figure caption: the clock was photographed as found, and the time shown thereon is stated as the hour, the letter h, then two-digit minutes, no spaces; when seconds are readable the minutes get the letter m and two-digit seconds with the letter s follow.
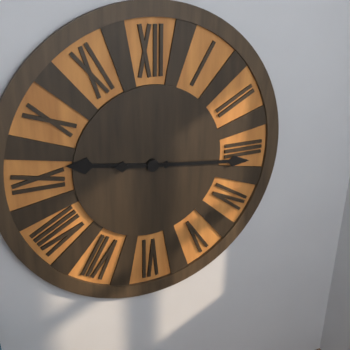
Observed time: 9h16
